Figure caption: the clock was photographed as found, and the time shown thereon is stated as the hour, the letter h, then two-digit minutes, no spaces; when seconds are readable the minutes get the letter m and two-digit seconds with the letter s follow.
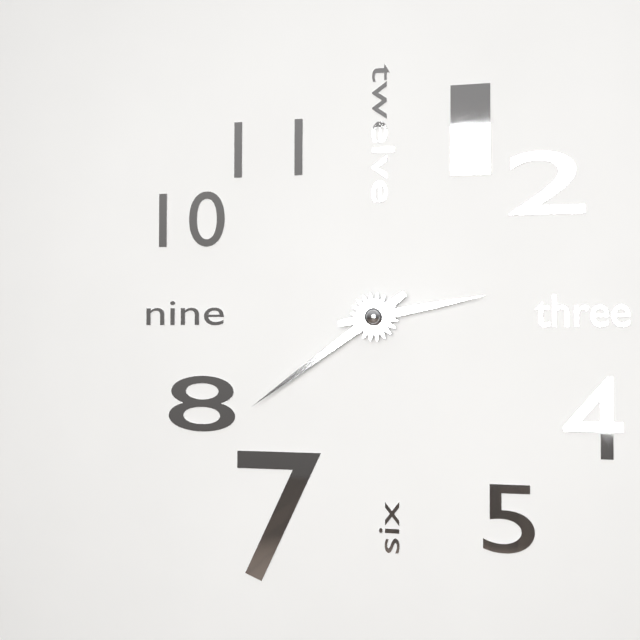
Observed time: 2h39
